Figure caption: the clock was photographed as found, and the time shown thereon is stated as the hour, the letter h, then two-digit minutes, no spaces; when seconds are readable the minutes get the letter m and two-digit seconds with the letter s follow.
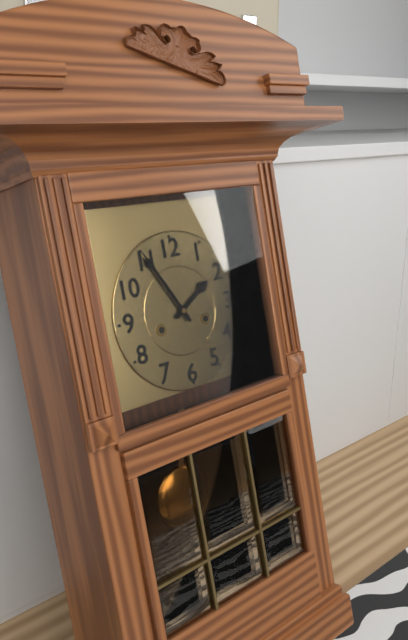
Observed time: 1h55
